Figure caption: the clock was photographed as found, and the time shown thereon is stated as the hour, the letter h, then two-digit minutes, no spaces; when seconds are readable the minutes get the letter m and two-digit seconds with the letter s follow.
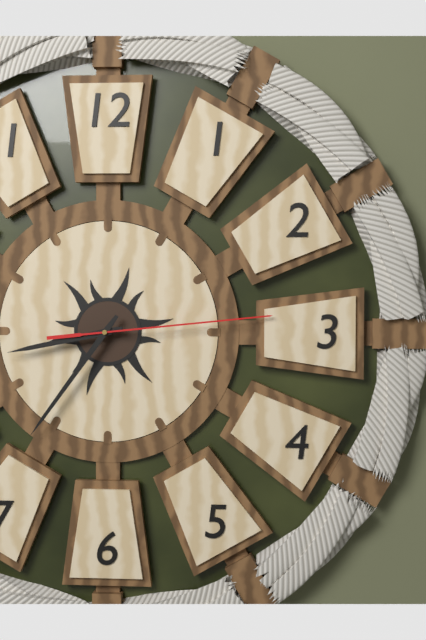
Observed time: 8h36m14s
